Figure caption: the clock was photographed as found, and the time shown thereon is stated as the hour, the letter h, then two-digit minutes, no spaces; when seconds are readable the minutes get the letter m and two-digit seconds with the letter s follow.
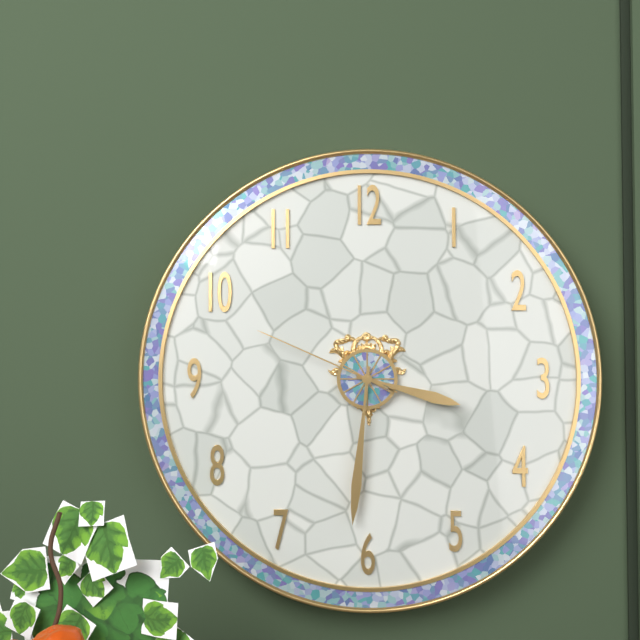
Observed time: 3h31m49s
